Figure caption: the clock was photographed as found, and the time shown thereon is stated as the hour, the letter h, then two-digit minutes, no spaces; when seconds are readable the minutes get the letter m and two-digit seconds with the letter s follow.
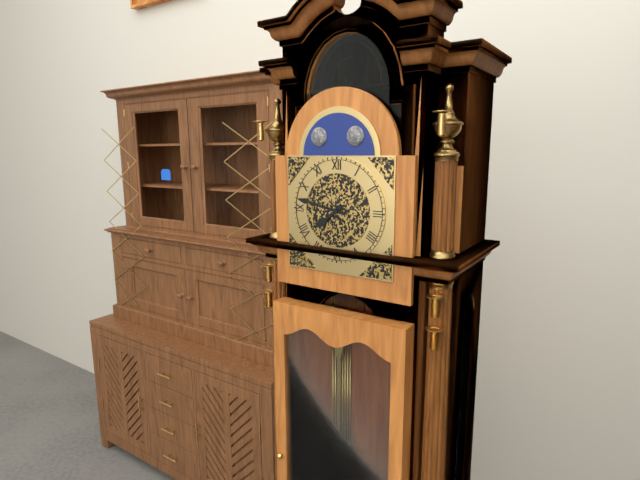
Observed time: 7h47
